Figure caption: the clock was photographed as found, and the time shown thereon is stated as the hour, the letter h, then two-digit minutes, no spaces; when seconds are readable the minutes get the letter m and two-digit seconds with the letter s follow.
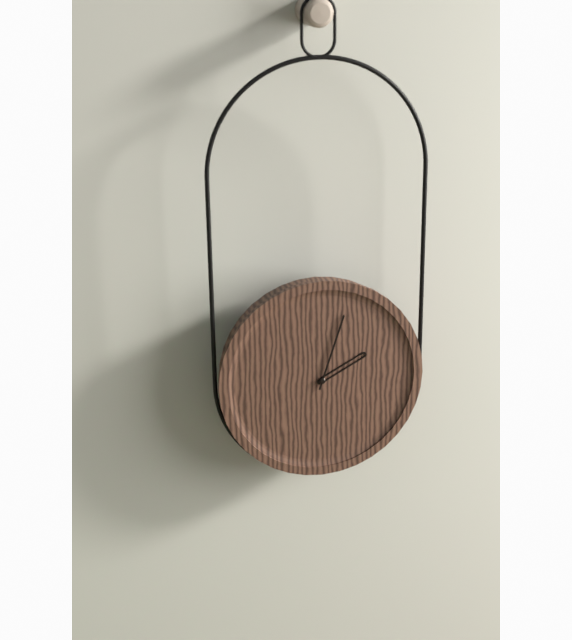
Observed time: 2h03
